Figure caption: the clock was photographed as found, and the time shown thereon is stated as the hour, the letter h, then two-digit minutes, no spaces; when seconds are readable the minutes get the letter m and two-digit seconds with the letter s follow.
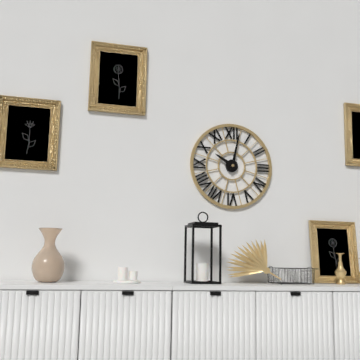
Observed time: 10h02
